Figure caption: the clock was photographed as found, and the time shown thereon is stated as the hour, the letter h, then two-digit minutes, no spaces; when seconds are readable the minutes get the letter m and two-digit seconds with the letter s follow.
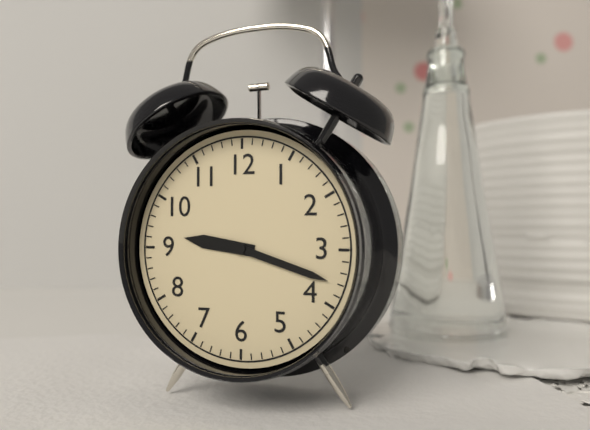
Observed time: 9h18
